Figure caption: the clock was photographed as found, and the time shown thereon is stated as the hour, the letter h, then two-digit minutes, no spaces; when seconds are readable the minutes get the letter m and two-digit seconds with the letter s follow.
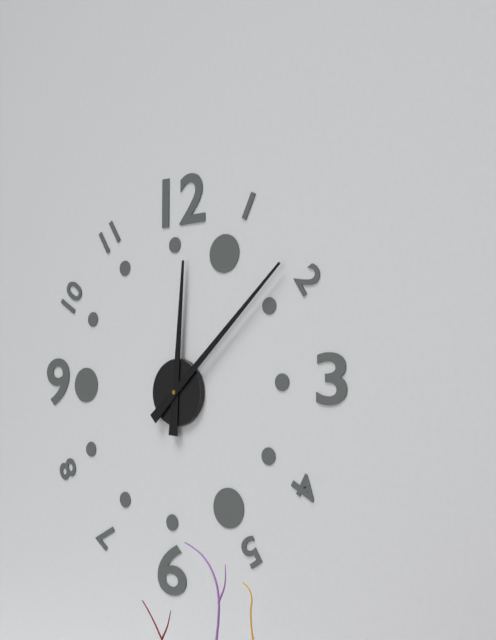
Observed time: 12h08
